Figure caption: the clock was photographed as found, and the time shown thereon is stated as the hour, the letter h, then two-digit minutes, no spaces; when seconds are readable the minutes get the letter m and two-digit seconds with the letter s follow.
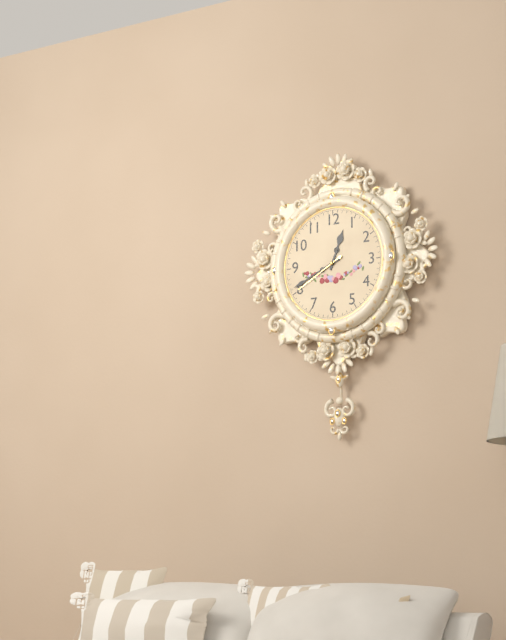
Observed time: 12h41m40s
